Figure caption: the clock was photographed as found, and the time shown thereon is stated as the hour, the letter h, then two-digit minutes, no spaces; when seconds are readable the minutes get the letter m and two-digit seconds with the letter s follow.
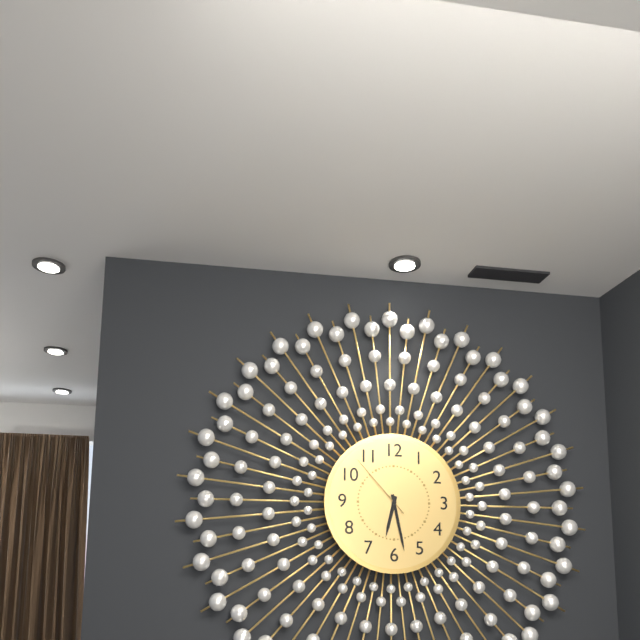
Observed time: 6h28m53s
